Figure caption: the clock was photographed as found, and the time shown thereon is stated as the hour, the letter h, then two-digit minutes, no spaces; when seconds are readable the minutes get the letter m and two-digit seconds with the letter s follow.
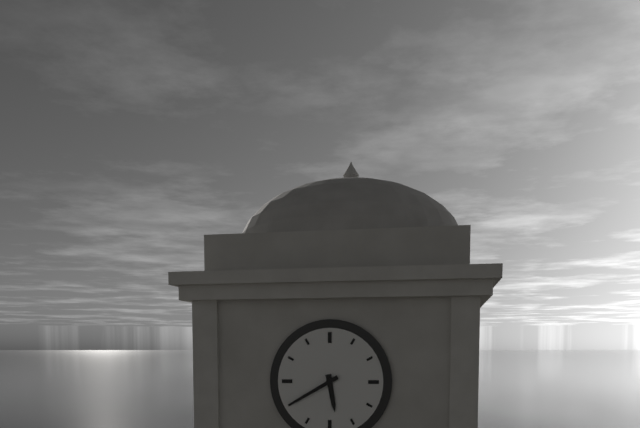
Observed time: 5h40
